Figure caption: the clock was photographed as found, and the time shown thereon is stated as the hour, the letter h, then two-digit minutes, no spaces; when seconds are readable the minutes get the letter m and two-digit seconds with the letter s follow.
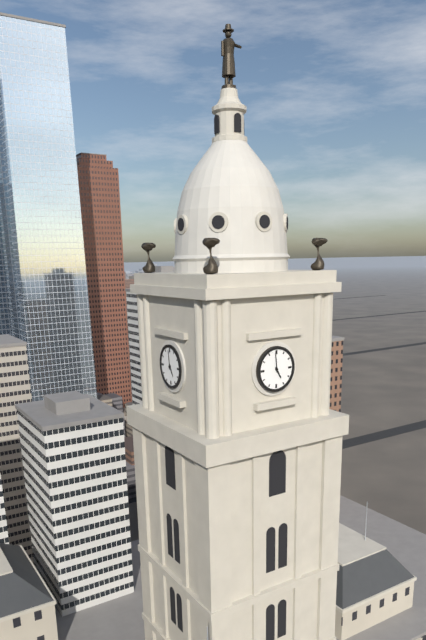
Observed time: 4h59
